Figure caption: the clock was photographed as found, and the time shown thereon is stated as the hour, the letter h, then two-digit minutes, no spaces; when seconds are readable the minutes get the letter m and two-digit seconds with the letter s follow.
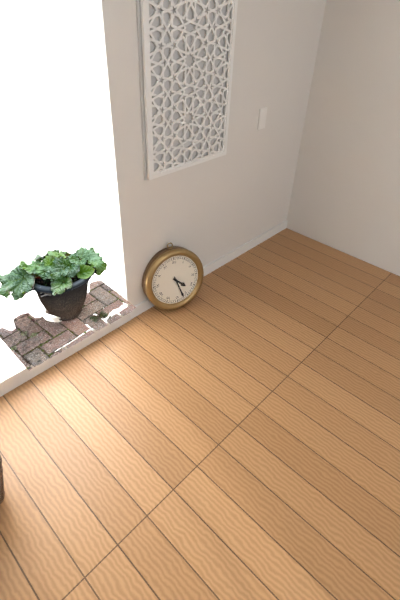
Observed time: 4h27
